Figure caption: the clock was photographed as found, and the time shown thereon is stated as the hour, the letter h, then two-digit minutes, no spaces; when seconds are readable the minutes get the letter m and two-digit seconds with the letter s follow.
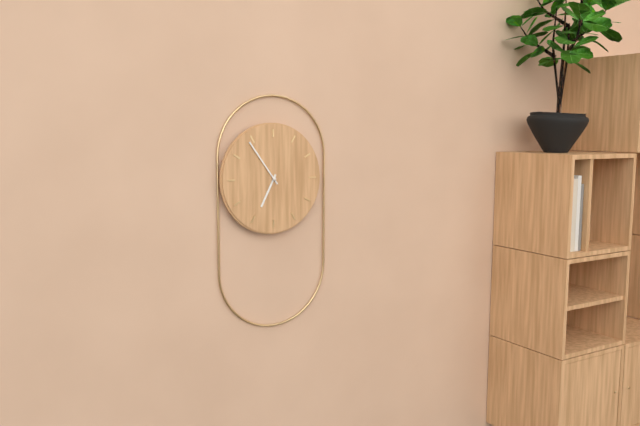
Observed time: 6h54
